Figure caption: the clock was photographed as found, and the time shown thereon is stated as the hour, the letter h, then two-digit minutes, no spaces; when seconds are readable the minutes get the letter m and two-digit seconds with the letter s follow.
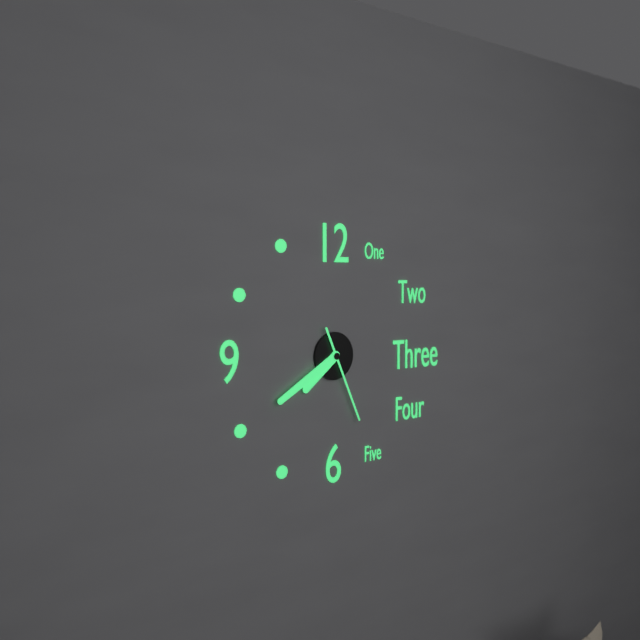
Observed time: 7h40m26s
